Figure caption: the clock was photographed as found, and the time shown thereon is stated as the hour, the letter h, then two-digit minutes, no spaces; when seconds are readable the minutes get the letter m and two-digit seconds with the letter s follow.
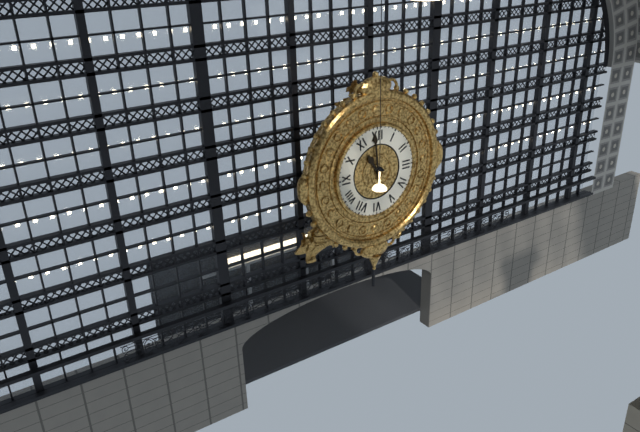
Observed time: 10h59
